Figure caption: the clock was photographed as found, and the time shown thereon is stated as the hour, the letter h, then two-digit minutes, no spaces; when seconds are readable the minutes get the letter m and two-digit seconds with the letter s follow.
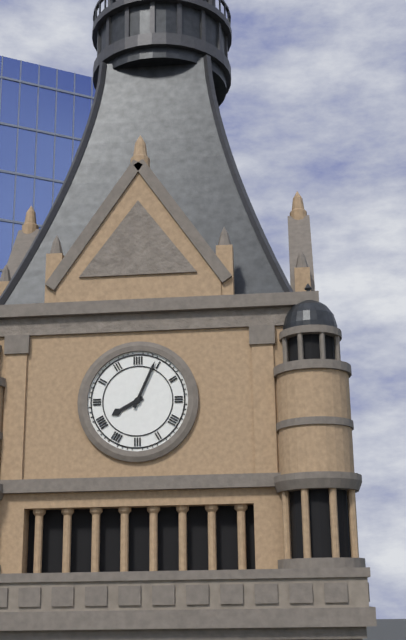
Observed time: 8h04
